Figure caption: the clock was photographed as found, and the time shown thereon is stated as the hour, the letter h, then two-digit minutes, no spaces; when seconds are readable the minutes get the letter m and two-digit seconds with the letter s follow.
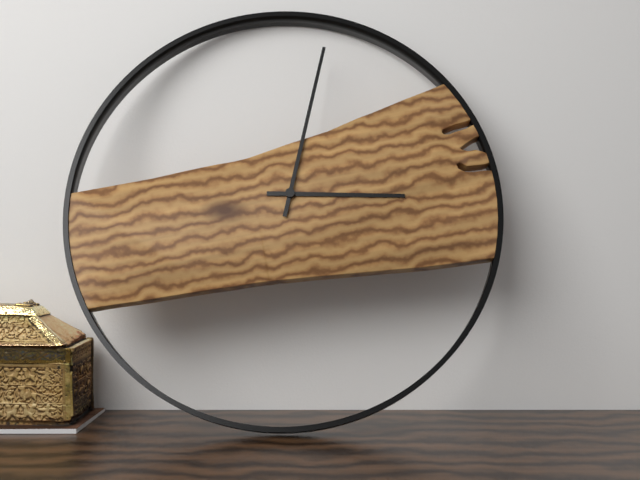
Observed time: 3h02
